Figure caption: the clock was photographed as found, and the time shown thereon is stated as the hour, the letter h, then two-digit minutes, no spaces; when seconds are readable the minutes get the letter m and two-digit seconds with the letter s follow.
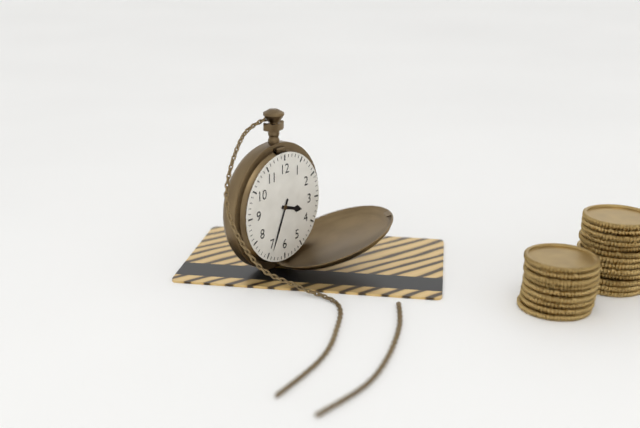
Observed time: 3h34
